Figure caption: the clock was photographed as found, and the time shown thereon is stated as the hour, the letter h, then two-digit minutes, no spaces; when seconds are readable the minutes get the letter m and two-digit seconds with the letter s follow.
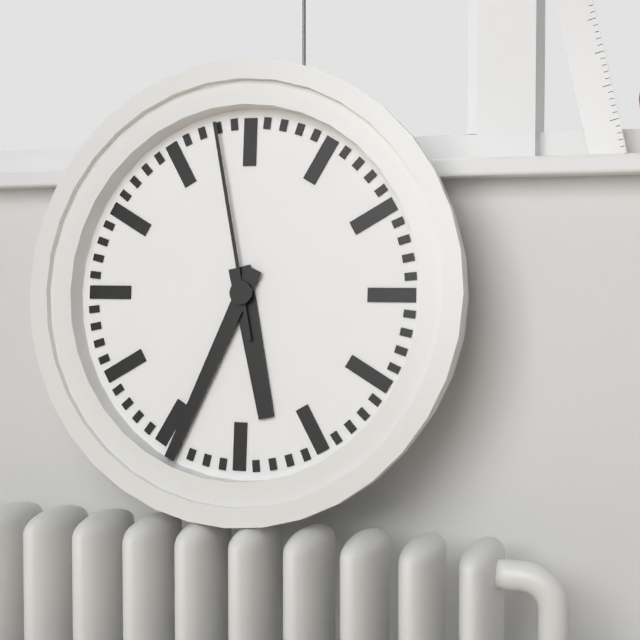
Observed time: 5h34m58s
